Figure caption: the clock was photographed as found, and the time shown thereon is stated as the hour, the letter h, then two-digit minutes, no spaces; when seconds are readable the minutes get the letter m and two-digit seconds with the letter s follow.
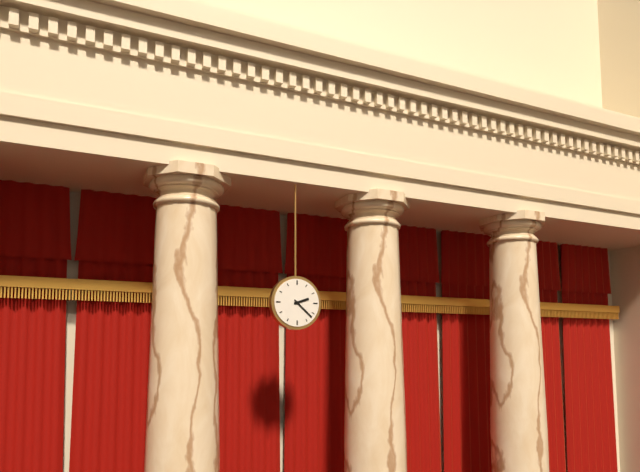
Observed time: 2h22
